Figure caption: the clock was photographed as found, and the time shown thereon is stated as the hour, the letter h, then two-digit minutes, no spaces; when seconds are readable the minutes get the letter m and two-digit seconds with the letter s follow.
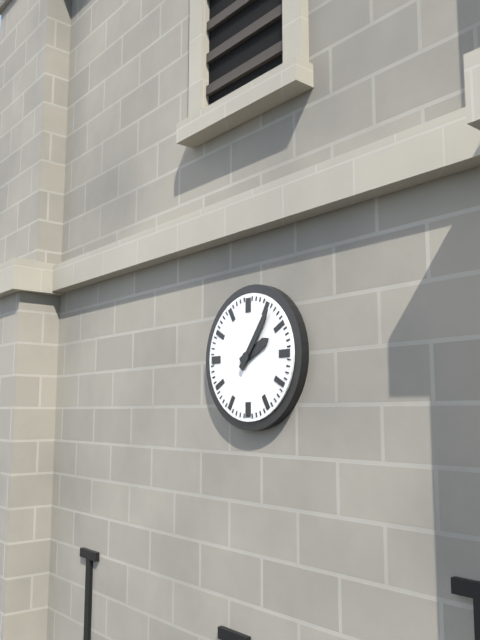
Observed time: 2h06
